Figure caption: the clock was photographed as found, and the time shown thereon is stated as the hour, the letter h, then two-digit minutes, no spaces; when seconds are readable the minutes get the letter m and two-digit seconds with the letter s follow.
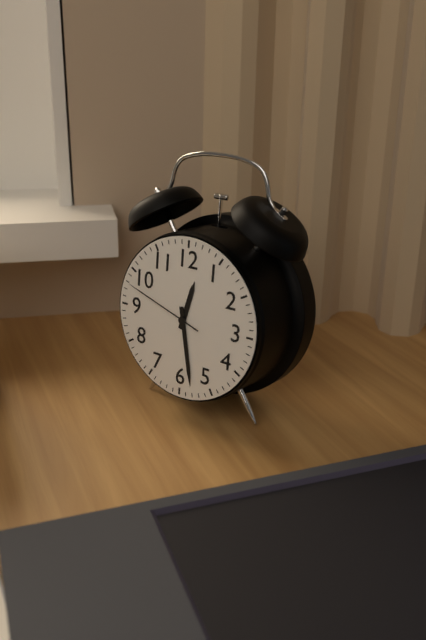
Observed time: 12h28m48s
